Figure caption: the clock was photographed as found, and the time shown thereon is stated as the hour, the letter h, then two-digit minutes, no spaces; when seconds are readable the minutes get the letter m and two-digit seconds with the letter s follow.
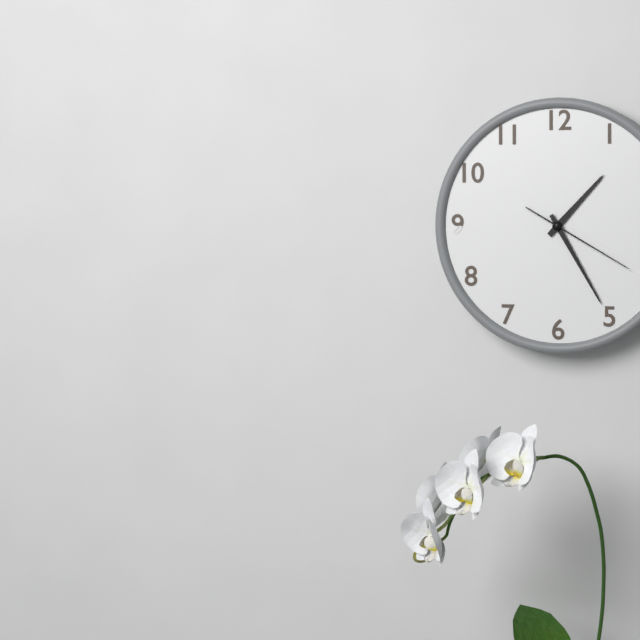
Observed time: 1h25m20s
